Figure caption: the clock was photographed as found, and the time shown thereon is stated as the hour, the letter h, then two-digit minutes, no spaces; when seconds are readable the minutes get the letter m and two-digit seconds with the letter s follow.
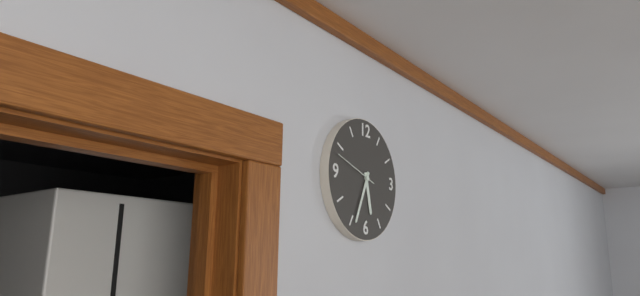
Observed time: 5h34
